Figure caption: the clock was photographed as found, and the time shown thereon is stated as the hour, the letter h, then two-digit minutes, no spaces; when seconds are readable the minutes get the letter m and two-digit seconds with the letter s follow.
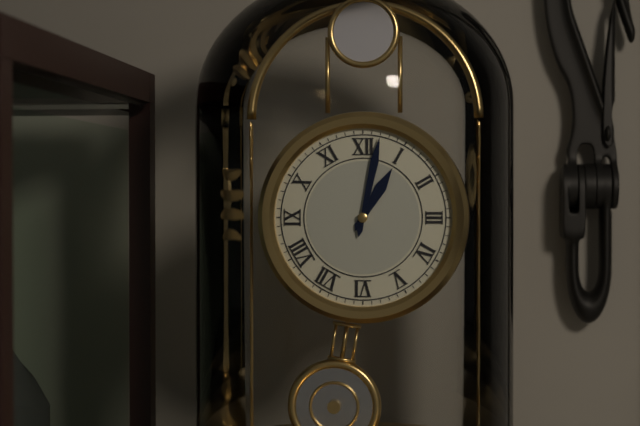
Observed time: 1h02
